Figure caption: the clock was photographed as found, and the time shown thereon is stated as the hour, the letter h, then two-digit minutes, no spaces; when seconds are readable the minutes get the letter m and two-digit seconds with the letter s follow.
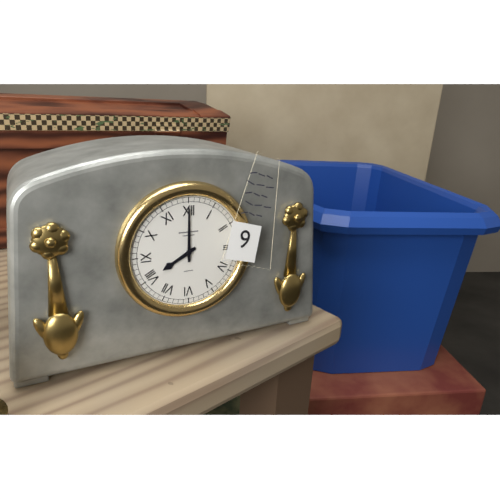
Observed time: 8h00
